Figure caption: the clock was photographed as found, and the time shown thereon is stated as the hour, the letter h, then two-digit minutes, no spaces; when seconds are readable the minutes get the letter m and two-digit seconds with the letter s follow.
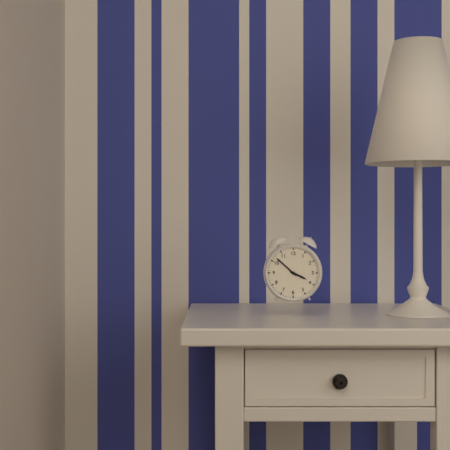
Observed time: 3h52
